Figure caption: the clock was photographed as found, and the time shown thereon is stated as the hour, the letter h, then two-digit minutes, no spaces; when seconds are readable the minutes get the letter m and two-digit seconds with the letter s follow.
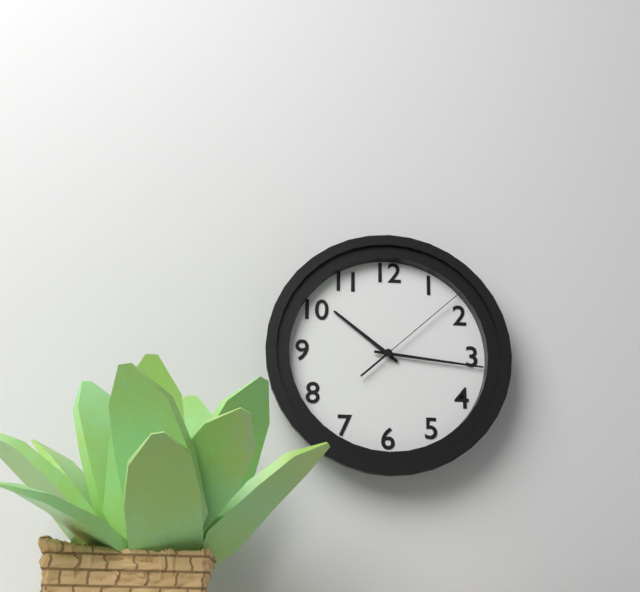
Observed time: 10h16m08s
